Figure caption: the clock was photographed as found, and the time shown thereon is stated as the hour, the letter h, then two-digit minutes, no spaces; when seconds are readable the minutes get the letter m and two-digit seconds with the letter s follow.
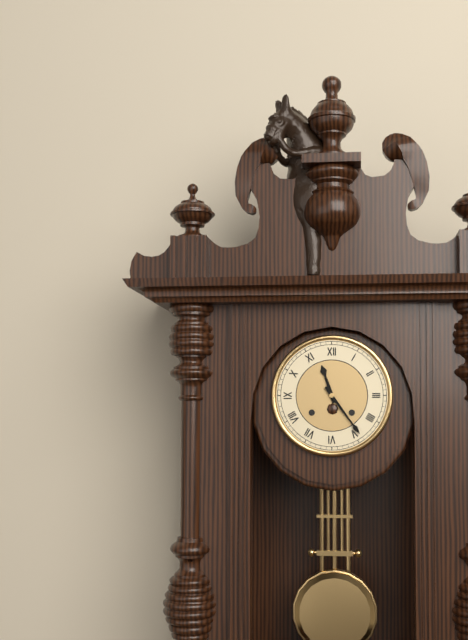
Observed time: 11h24
